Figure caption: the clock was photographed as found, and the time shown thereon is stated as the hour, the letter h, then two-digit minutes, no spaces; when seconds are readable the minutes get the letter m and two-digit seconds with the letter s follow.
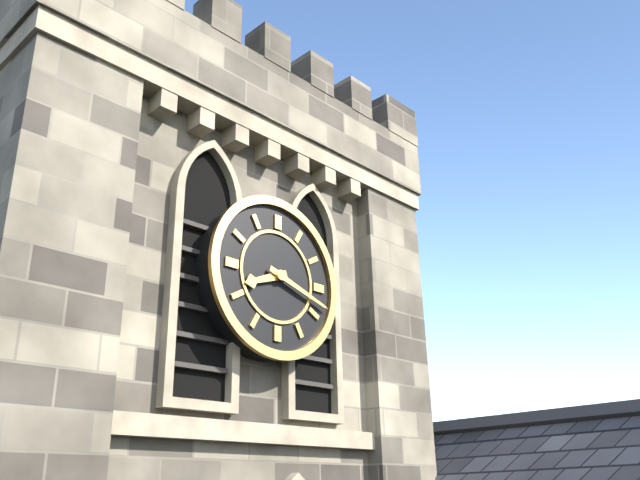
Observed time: 8h18
